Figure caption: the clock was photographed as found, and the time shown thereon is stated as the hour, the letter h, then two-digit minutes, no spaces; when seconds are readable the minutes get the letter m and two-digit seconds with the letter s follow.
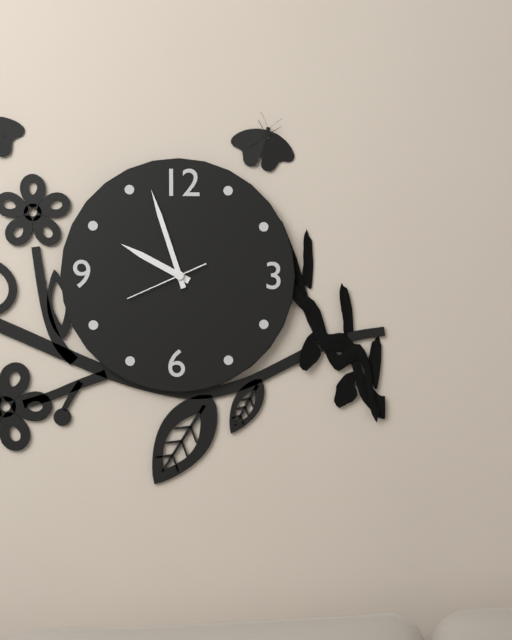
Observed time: 9h57m41s
